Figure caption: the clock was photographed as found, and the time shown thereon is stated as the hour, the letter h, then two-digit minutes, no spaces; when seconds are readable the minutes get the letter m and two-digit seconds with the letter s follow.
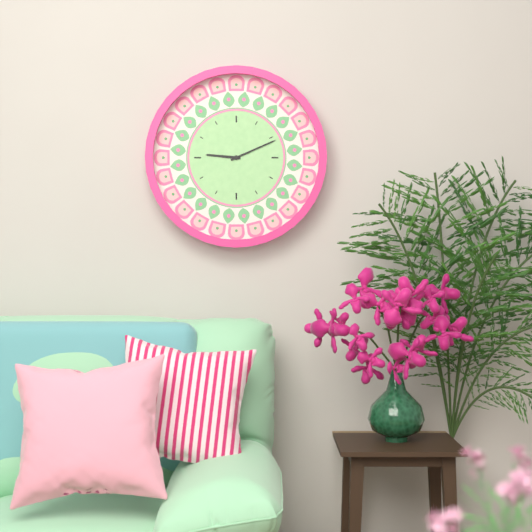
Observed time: 9h11
